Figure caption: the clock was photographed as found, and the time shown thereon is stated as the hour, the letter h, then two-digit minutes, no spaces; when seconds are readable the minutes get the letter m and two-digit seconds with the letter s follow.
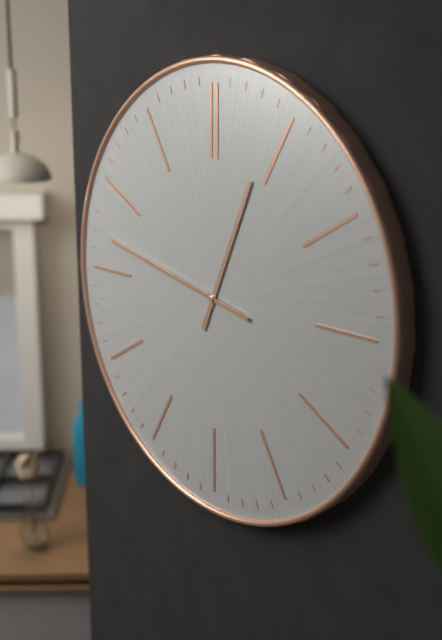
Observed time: 12h47
